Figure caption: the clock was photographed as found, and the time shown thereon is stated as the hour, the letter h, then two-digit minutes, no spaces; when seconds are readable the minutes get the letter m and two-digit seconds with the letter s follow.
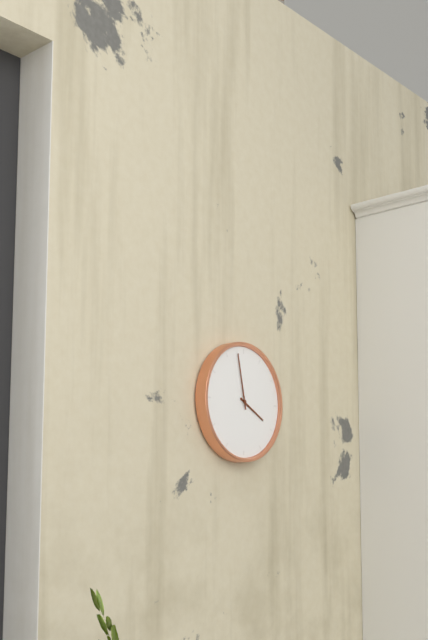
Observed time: 3h58
